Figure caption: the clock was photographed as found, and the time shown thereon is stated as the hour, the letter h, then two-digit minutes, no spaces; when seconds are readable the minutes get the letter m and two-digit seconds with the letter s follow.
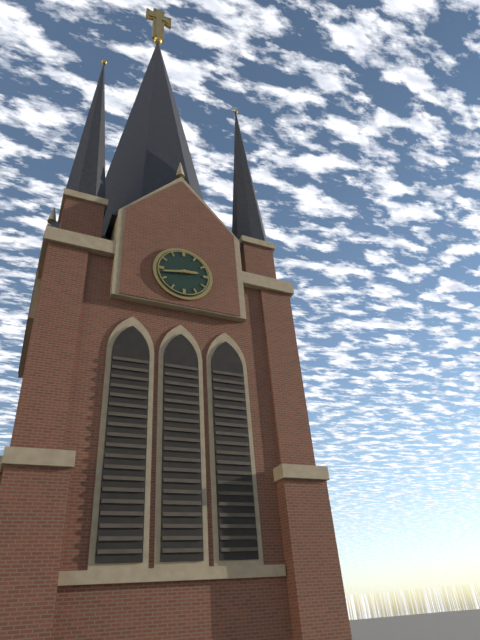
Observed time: 2h43
